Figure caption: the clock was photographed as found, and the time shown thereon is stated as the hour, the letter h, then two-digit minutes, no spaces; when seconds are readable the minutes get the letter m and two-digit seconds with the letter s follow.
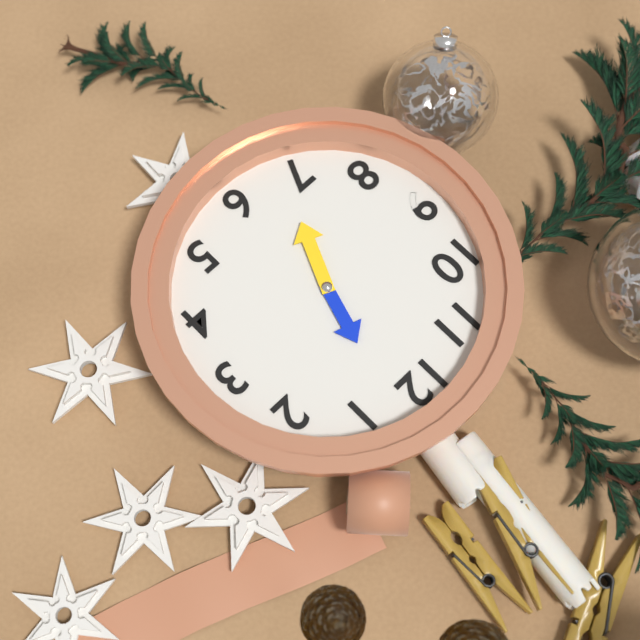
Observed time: 12h34
